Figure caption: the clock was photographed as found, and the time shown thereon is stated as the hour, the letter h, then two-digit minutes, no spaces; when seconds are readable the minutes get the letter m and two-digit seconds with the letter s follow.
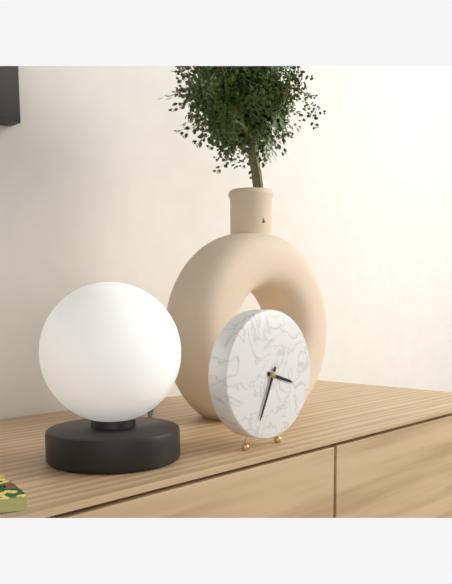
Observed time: 3h34
